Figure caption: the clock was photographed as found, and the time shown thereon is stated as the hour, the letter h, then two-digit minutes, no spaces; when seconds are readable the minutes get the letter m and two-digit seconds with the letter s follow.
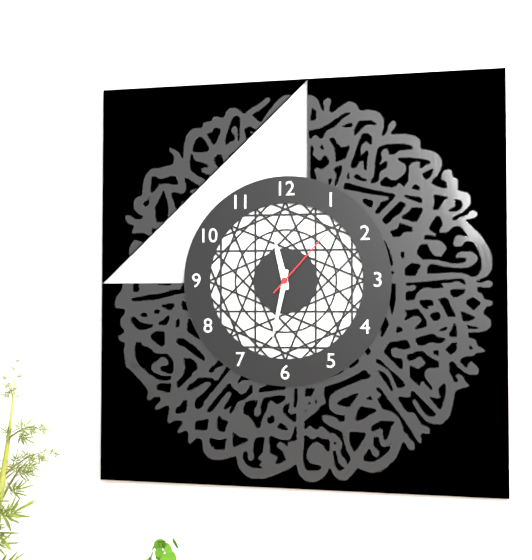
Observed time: 11h32m07s
